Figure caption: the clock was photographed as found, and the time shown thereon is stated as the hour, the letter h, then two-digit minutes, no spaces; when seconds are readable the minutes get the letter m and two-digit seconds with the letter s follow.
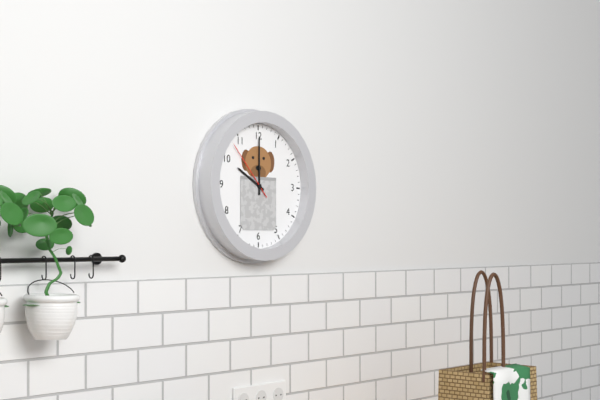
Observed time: 10h00m53s
